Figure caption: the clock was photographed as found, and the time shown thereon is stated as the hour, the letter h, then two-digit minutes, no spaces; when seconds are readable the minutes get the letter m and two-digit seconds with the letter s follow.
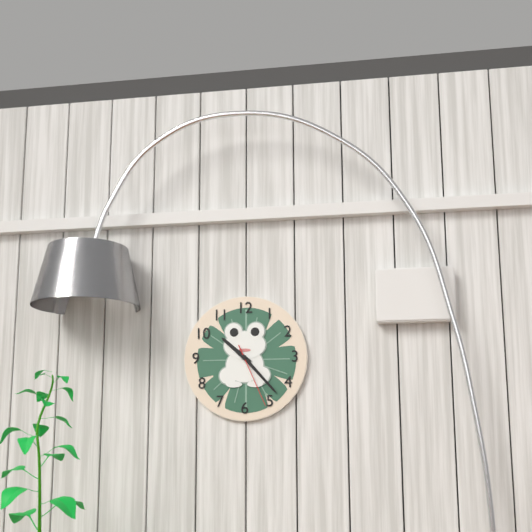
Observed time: 10h23m26s
